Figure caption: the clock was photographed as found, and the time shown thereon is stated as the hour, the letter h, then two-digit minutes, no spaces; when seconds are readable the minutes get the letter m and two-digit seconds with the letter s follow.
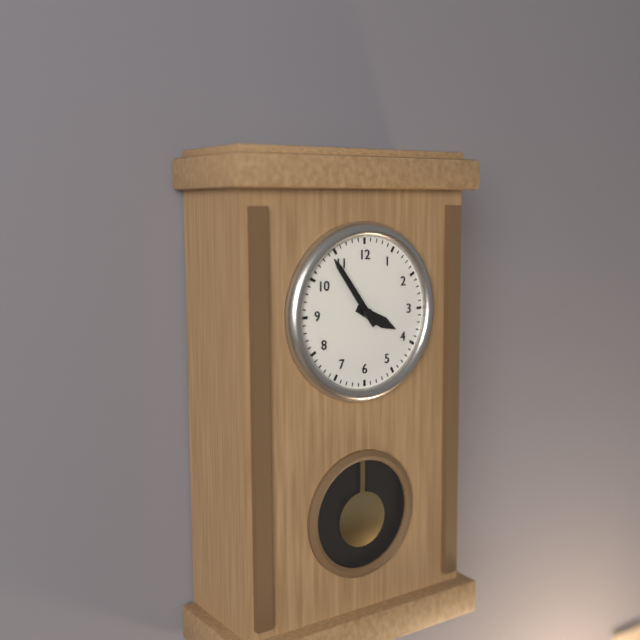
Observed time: 3h54
